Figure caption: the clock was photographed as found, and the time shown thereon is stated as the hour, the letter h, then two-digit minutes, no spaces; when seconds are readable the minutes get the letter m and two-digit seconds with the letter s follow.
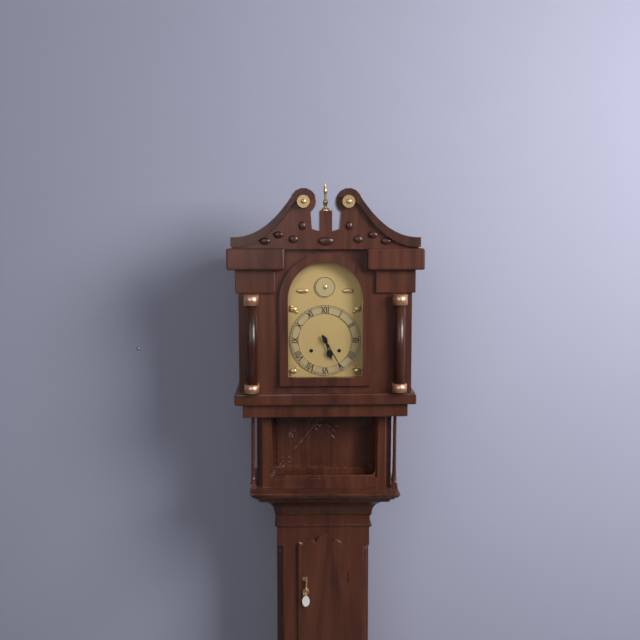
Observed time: 5h25
